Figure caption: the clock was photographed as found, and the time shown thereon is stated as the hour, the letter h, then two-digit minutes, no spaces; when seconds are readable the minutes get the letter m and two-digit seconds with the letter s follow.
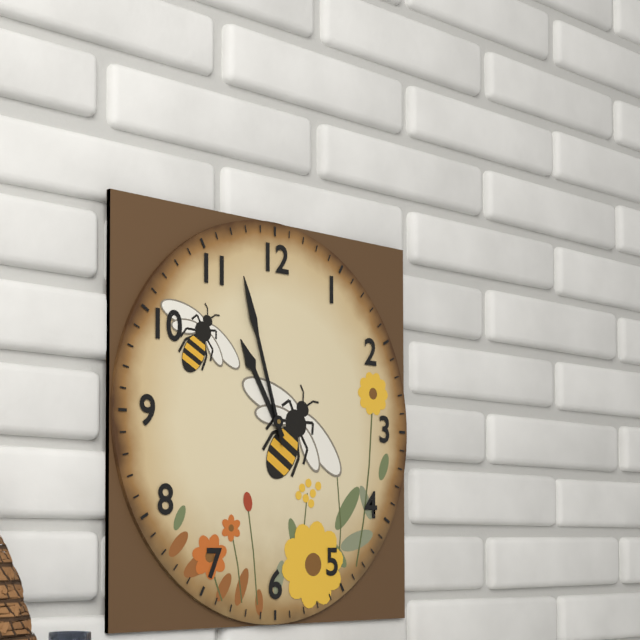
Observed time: 10h57
